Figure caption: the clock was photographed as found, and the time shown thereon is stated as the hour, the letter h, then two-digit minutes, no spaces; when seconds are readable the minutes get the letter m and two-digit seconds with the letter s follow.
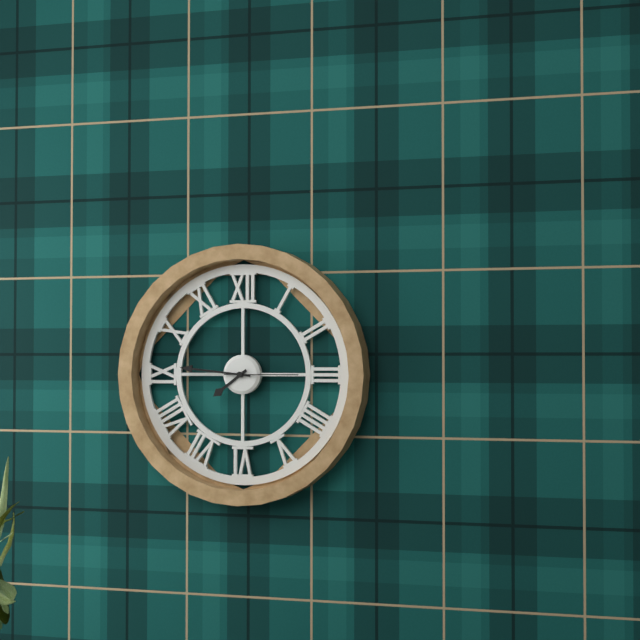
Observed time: 7h46m15s
